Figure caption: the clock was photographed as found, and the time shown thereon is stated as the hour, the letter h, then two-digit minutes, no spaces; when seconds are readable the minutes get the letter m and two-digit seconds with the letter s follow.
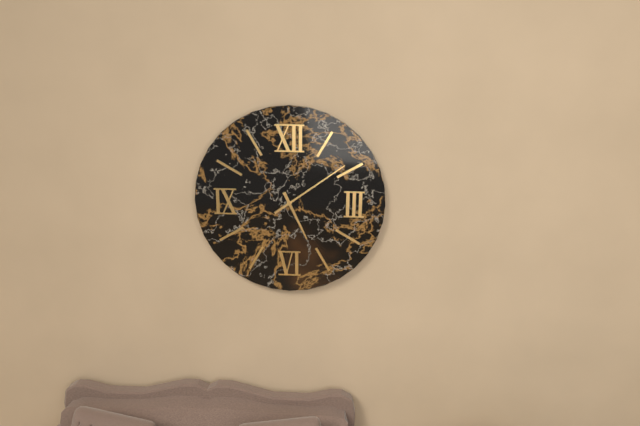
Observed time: 5h09
